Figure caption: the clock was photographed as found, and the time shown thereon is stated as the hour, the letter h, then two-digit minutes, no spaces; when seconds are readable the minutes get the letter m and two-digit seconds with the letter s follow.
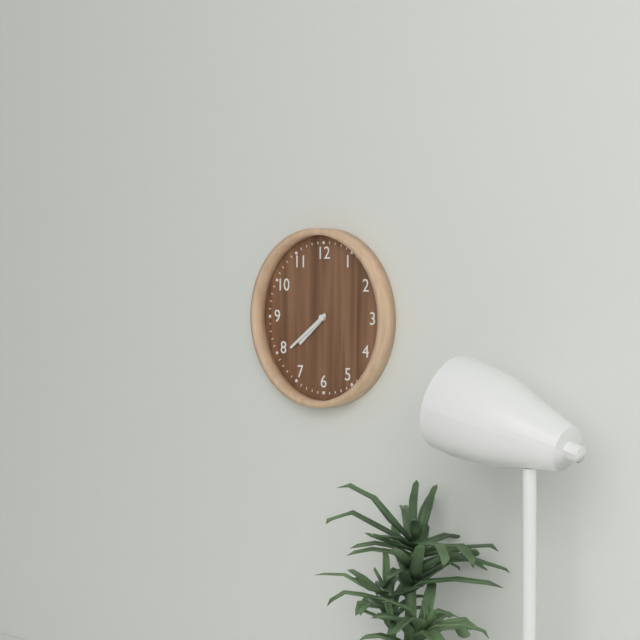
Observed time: 7h39
